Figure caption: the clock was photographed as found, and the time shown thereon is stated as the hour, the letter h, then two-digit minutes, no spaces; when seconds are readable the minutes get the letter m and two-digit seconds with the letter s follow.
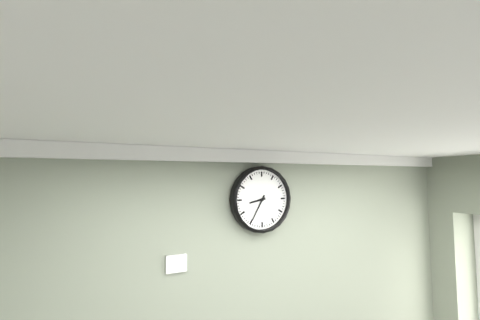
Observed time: 8h35
